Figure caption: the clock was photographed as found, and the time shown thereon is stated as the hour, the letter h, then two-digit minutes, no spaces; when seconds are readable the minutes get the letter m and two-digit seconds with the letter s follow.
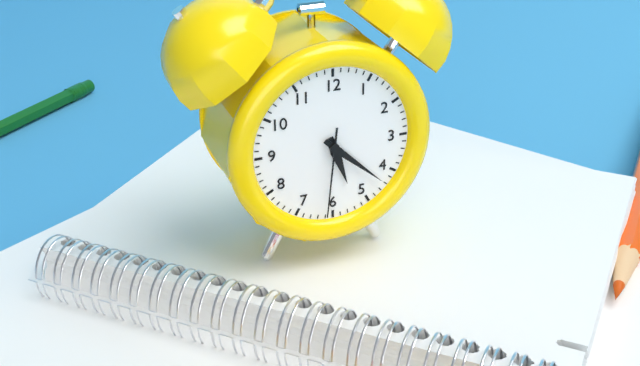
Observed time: 5h22m31s
